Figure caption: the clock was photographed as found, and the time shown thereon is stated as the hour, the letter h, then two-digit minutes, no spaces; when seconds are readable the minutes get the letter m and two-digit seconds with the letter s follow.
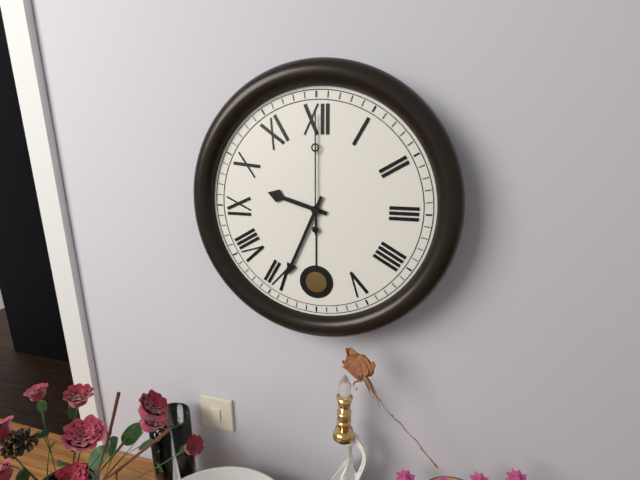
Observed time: 9h34m00s
